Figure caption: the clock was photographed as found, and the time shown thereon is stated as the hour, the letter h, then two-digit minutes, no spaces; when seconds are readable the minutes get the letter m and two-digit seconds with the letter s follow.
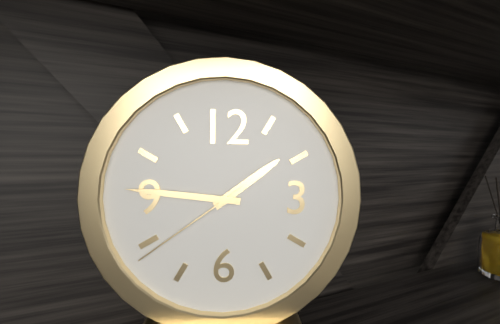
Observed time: 1h46m39s
